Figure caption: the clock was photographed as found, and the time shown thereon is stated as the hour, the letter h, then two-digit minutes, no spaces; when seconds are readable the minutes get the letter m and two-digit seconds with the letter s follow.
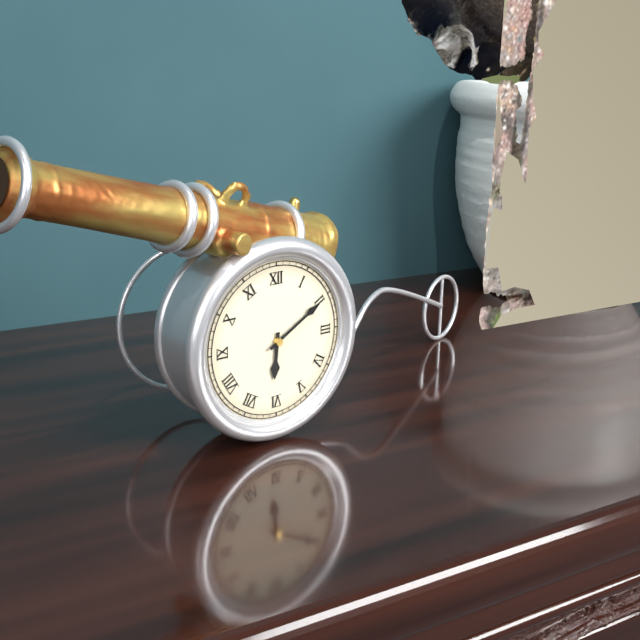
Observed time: 6h10
